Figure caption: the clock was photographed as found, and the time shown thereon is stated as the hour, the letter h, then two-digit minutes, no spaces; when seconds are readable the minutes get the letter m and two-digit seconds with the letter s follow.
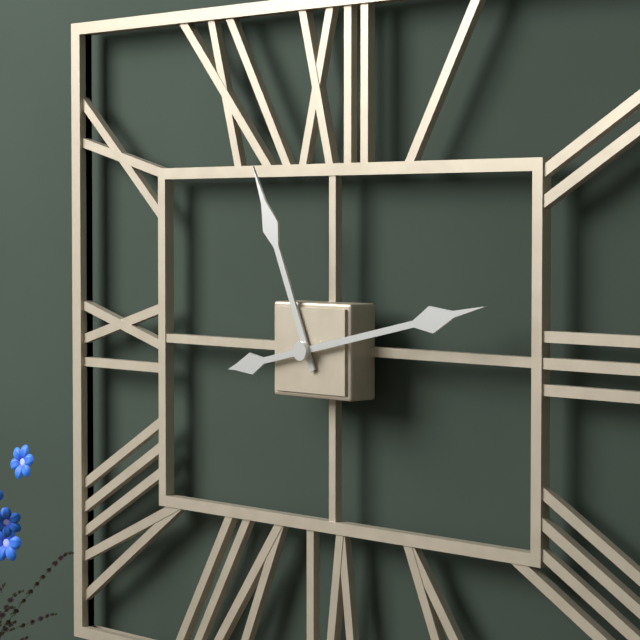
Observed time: 11h13
